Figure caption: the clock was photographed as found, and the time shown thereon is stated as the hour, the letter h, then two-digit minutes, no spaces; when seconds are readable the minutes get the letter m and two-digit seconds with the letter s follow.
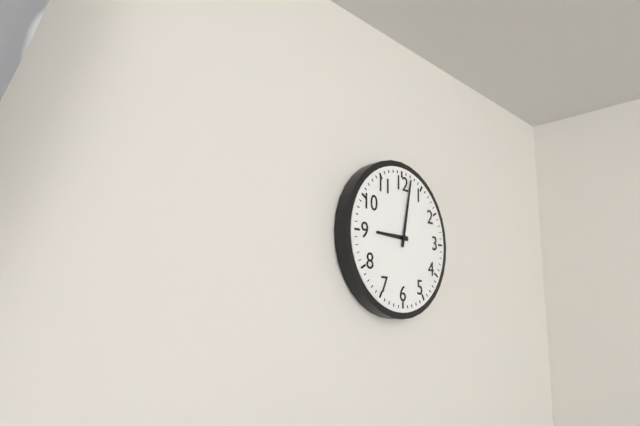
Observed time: 9h02
